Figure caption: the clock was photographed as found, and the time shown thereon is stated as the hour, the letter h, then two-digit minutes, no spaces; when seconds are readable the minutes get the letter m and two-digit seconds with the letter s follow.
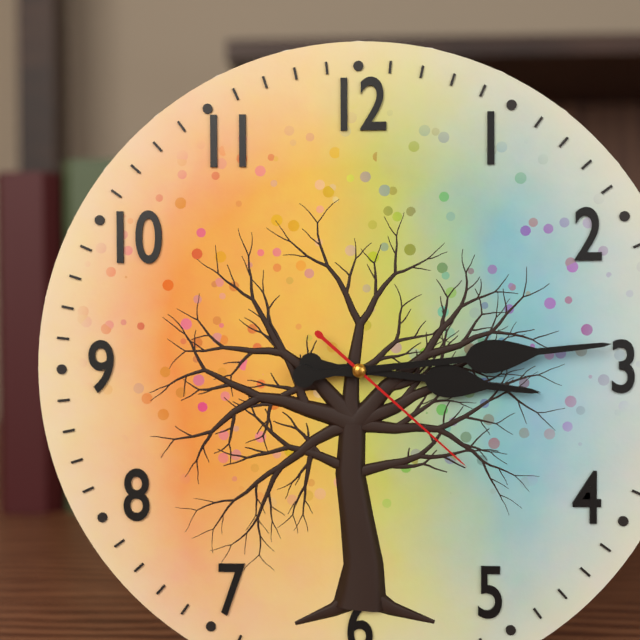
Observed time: 3h14m22s
